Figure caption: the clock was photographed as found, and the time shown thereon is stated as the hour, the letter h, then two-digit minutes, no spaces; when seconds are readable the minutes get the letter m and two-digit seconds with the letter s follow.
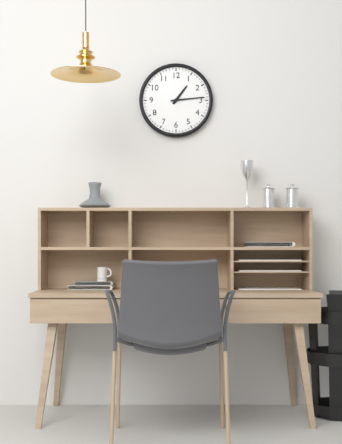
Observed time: 1h14
